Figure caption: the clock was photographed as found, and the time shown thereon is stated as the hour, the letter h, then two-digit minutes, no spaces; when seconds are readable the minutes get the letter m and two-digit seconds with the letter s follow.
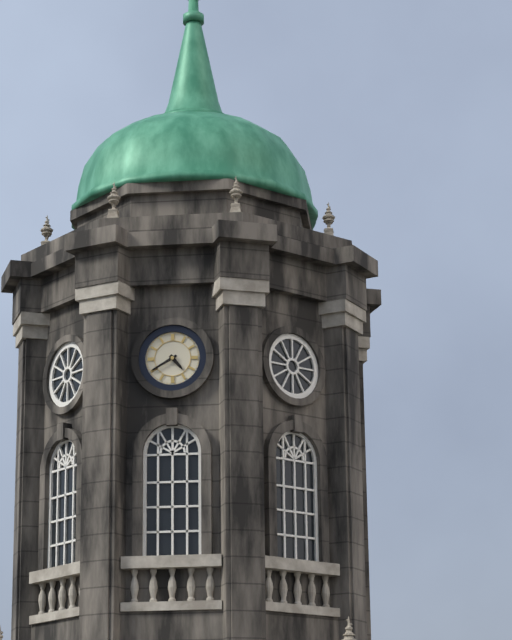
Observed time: 4h40
